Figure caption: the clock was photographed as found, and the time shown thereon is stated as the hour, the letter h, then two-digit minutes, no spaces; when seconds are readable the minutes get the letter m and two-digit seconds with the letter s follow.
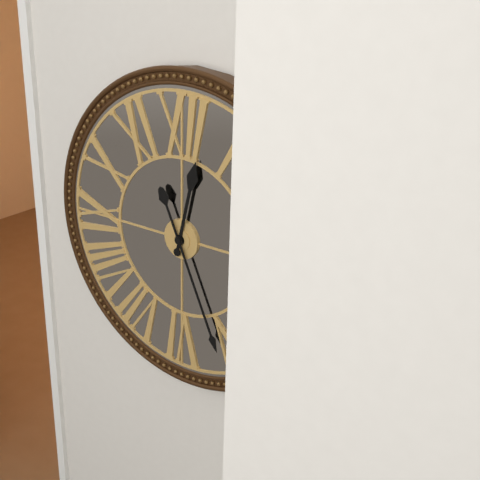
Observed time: 12h26
